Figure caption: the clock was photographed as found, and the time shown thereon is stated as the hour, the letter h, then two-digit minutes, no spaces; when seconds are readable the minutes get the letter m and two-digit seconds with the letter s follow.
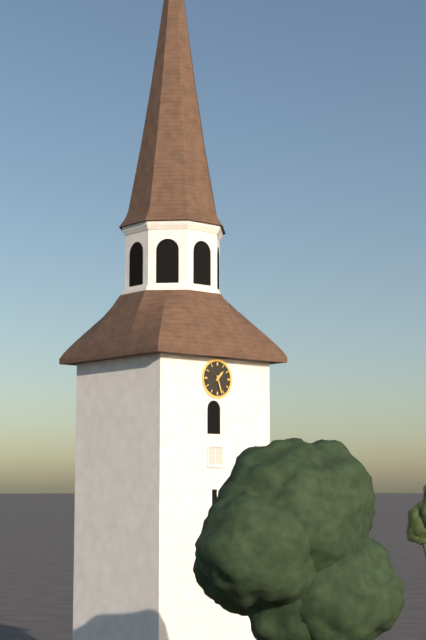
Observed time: 1h27
